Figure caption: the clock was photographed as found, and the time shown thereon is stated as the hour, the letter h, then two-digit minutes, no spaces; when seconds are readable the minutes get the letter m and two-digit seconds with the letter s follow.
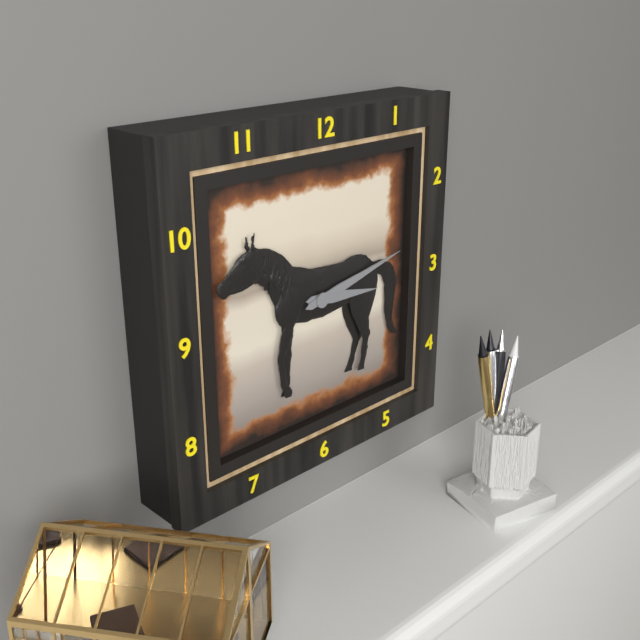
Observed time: 3h13
